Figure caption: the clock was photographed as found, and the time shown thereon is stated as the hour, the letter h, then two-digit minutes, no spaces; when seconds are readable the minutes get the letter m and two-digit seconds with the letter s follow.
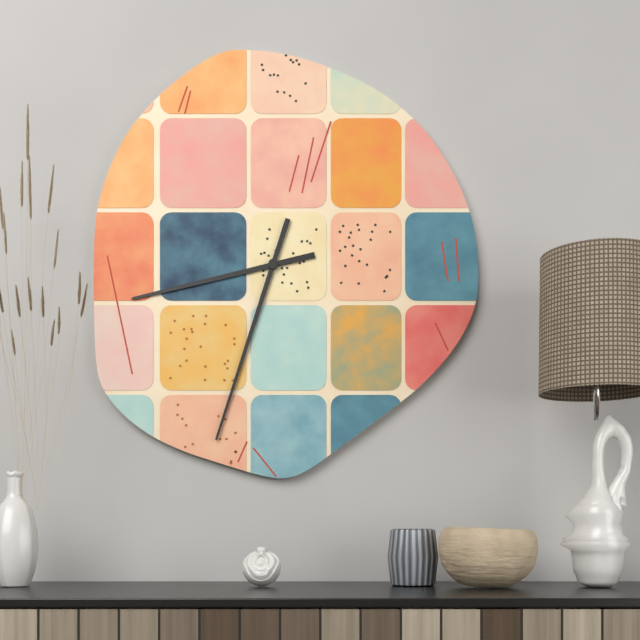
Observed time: 8h33
